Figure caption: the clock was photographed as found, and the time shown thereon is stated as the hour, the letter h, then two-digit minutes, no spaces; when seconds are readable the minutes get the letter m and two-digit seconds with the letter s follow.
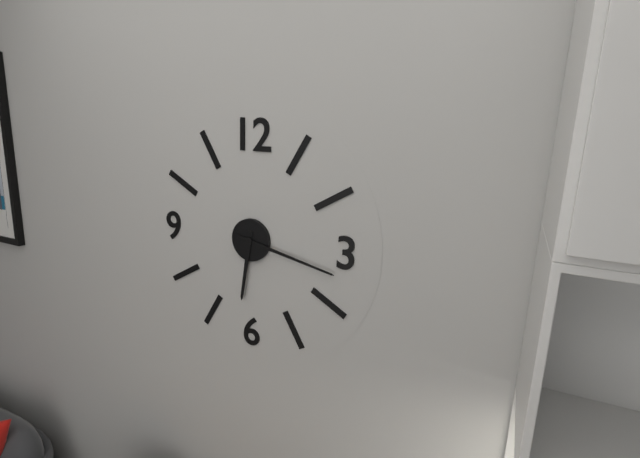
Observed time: 6h17
